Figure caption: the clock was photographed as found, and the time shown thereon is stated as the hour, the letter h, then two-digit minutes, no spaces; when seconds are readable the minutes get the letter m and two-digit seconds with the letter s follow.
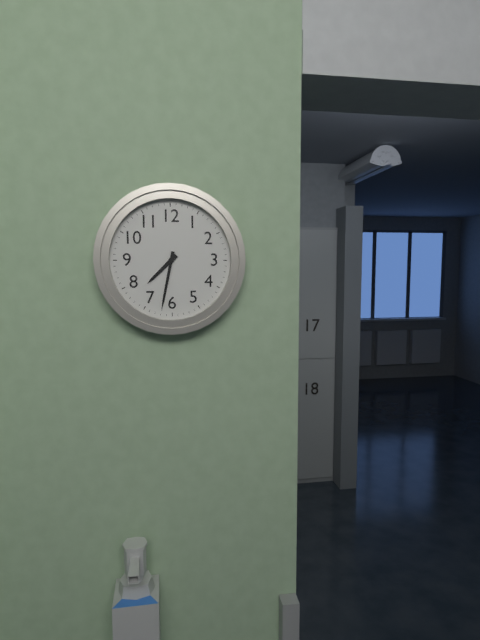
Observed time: 7h32
